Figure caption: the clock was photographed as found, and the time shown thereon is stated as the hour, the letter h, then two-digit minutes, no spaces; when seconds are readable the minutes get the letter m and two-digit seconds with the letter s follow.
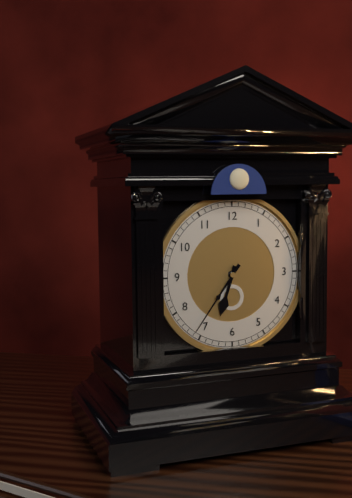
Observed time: 6h36
